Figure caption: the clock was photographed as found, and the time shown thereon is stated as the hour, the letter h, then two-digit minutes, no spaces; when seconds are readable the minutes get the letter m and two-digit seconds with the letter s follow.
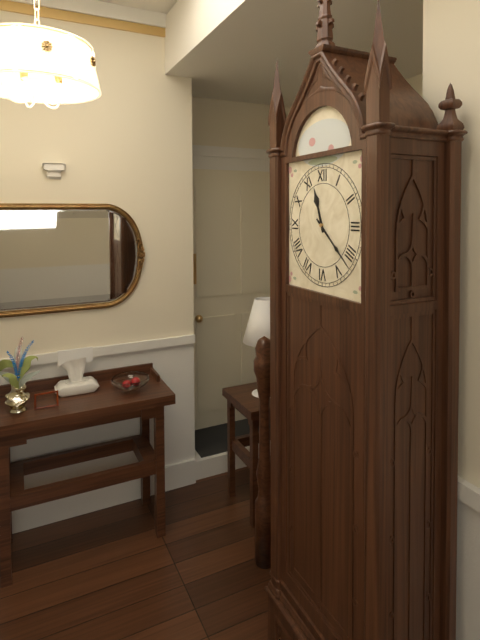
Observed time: 11h22
